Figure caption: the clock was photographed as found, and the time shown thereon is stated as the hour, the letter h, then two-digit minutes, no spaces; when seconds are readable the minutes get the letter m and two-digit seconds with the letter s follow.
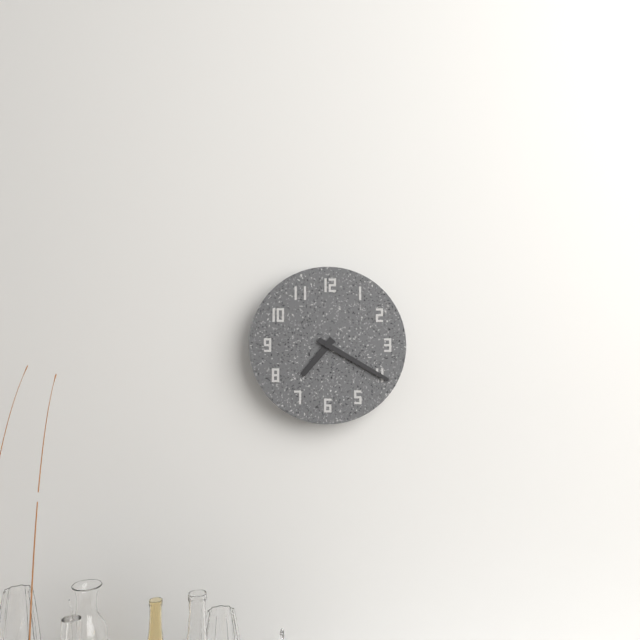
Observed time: 7h20
